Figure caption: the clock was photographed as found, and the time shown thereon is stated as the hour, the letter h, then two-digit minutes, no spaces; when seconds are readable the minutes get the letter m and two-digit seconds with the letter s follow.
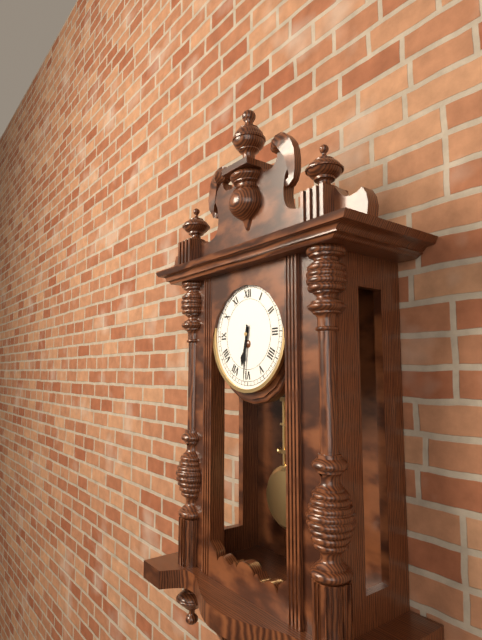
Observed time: 6h31
